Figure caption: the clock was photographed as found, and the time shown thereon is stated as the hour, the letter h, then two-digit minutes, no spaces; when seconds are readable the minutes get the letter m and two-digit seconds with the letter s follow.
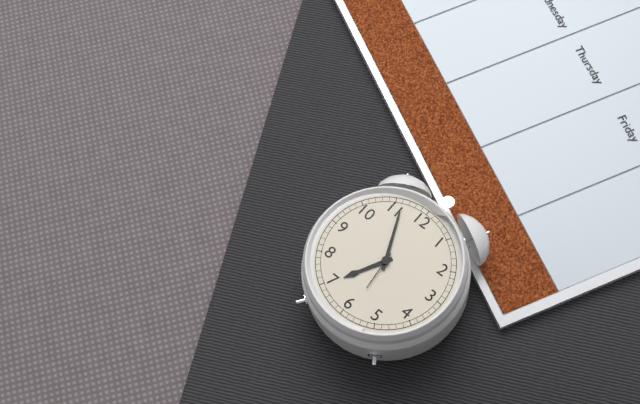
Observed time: 6h56
